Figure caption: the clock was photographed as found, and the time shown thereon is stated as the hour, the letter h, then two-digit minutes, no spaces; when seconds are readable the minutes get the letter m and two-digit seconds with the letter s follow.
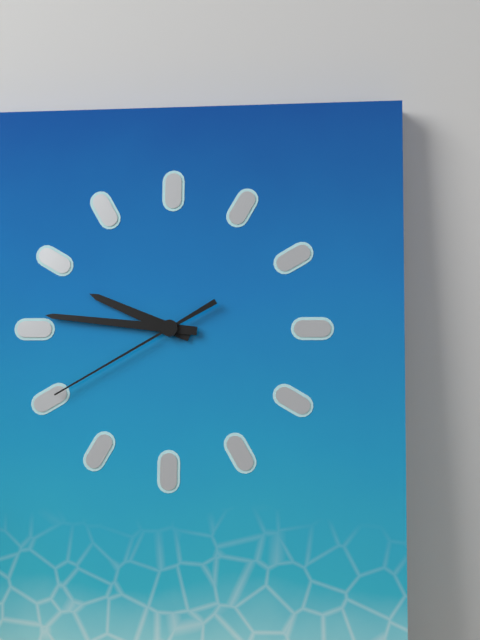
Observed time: 9h46m40s
